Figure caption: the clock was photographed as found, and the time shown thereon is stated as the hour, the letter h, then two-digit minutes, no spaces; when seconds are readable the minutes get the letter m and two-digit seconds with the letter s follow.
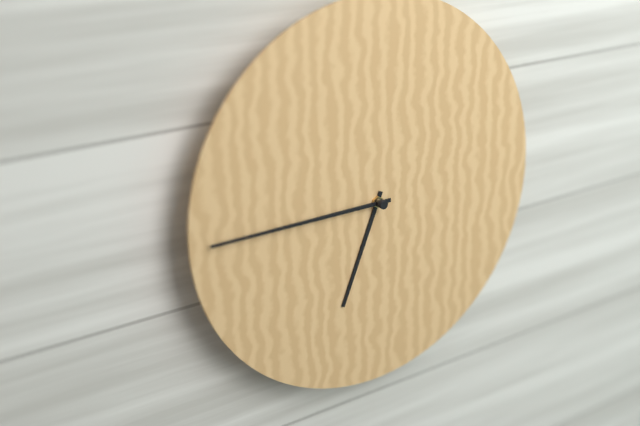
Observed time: 6h45
